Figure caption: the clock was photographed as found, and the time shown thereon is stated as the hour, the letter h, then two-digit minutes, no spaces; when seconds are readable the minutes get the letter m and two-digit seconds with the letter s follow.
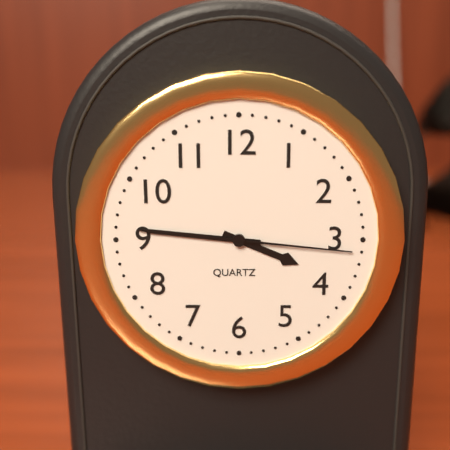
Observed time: 3h46m16s
